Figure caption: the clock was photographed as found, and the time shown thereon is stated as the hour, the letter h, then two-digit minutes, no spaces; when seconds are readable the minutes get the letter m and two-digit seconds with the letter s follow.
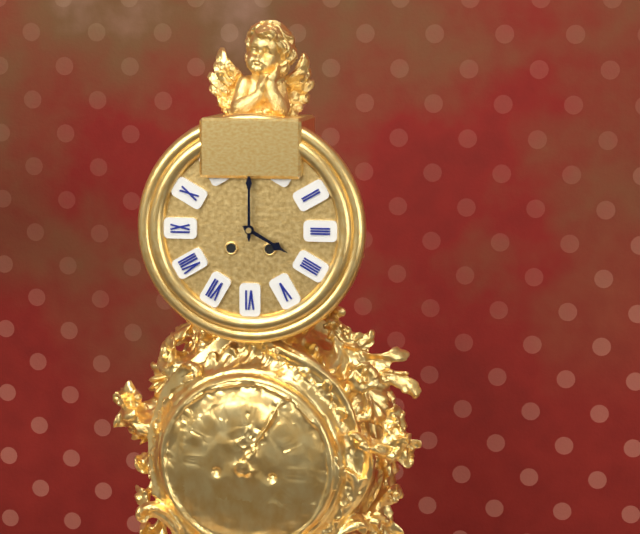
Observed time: 4h00
